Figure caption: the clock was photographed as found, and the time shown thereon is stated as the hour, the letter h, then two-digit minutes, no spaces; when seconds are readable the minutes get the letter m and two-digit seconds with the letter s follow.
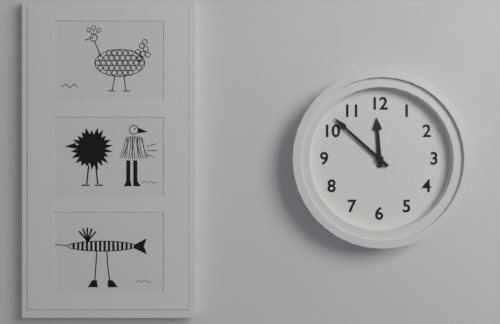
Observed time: 11h52
